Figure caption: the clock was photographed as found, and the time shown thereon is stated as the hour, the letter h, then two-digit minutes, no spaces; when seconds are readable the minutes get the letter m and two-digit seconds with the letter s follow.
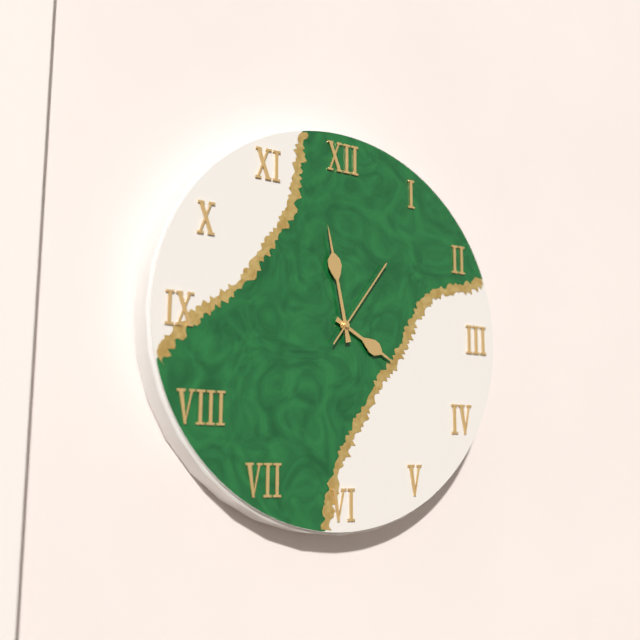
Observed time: 3h58m06s
